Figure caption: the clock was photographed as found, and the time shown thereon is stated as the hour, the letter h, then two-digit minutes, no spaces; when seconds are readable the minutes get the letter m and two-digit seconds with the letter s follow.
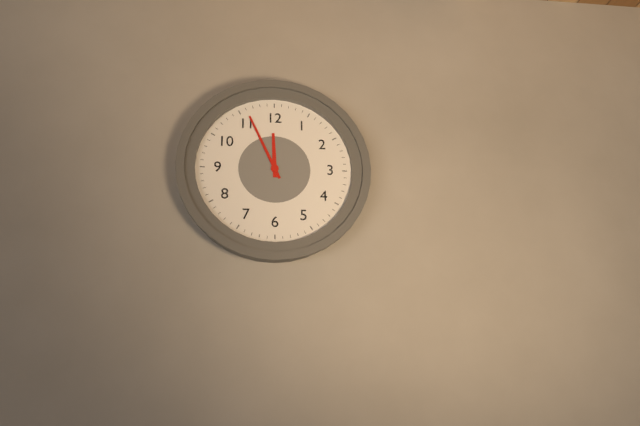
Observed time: 11h56
